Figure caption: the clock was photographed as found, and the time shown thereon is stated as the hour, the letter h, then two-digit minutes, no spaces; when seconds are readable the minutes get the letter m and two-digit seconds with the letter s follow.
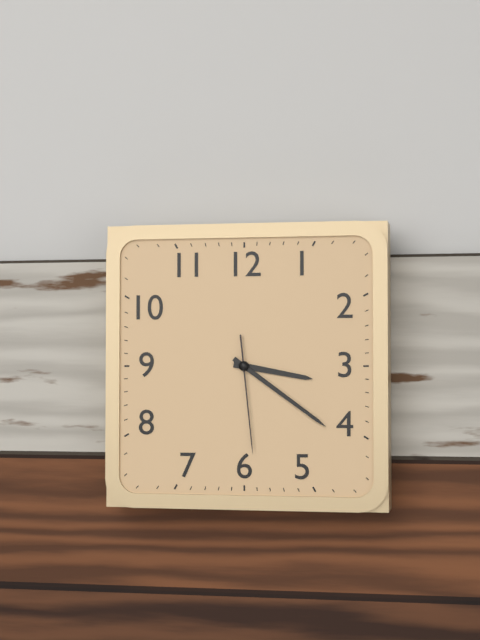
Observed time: 3h21m29s
